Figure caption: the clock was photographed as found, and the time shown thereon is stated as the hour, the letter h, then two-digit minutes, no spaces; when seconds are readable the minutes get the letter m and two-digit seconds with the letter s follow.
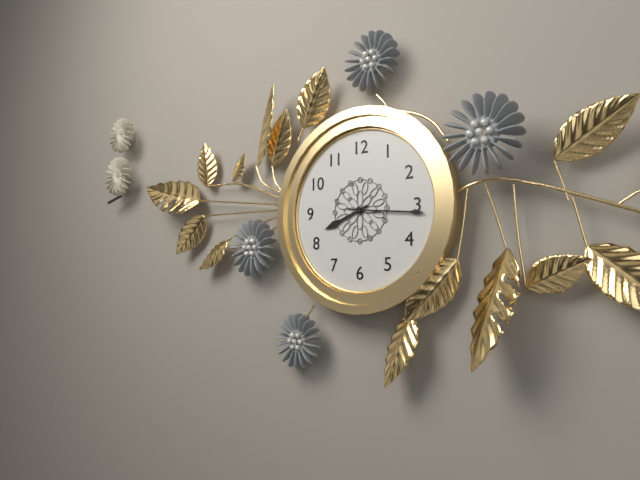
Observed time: 8h16
